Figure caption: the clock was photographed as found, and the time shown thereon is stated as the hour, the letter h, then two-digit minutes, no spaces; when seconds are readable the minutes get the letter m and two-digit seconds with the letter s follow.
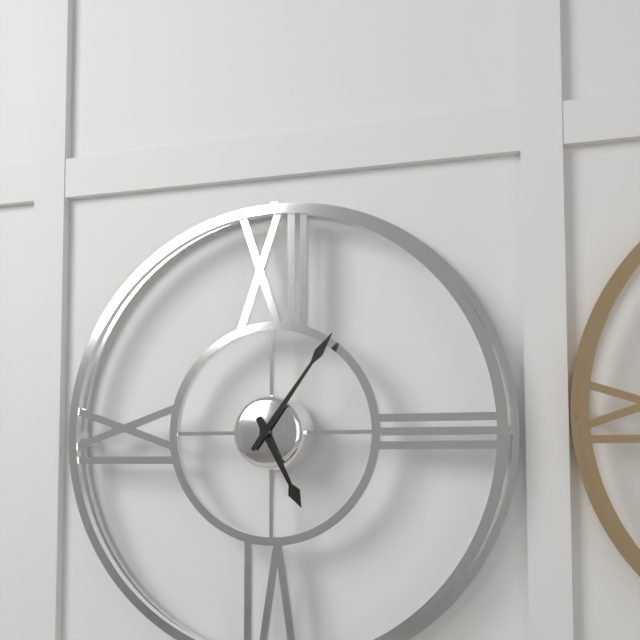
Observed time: 5h06
